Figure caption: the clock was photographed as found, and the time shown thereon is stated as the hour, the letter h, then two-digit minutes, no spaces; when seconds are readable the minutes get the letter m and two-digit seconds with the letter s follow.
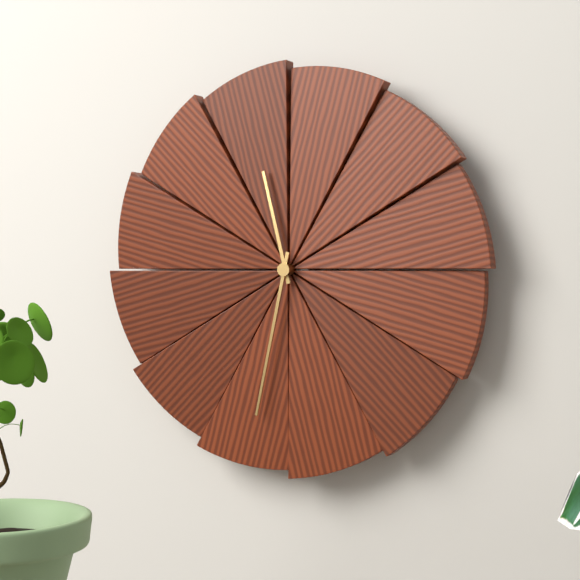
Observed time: 11h32
